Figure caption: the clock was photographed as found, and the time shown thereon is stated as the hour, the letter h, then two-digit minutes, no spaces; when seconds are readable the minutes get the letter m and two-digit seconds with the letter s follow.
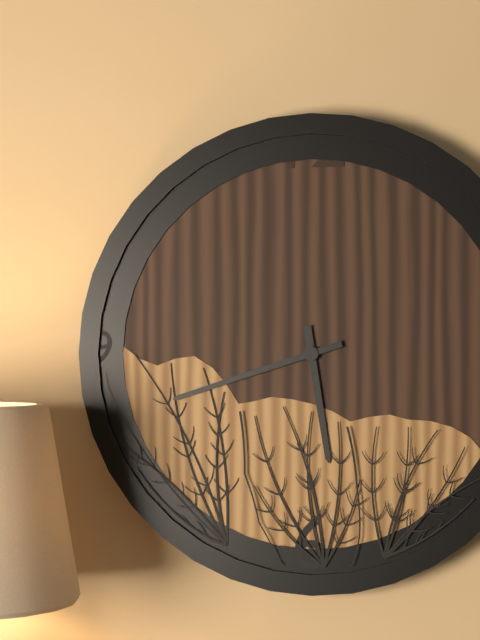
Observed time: 5h42
